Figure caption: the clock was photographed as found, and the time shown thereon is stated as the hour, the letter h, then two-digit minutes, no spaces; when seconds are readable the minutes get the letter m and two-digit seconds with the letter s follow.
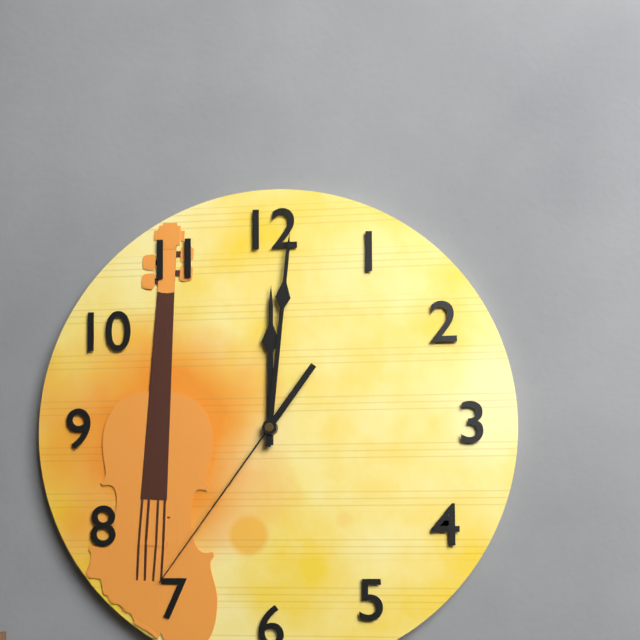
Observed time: 12h01m36s
